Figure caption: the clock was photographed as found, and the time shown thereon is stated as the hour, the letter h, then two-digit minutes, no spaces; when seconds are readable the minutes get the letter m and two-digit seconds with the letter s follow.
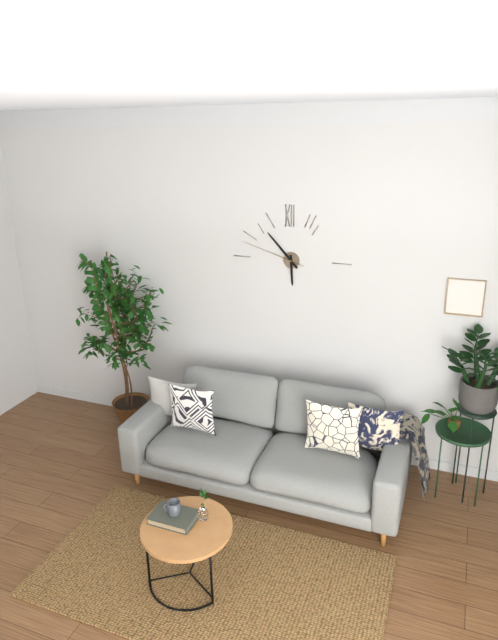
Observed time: 5h53m48s
